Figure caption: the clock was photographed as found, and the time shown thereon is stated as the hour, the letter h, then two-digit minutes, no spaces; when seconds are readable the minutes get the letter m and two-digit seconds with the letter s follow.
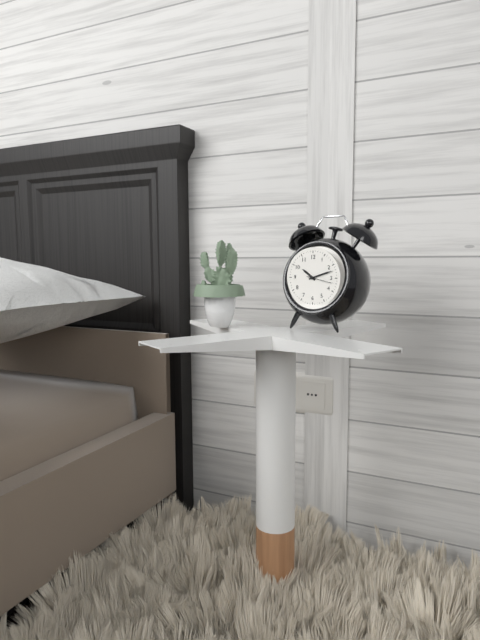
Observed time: 10h12
